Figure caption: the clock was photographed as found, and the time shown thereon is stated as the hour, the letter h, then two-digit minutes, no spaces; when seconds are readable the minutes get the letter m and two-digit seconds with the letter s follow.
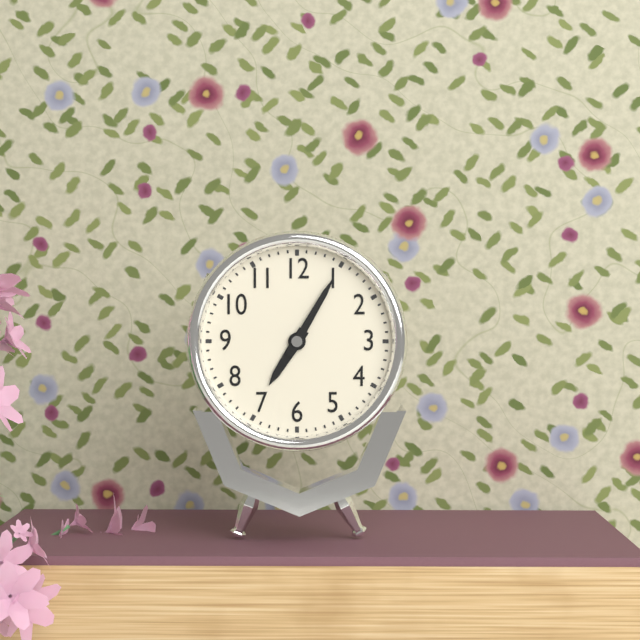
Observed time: 7h05
